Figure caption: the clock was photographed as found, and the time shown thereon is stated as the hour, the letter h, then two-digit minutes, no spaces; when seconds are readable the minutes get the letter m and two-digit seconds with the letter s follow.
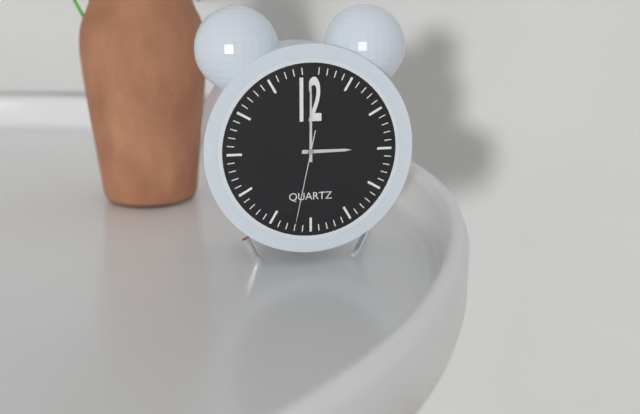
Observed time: 3h00m32s
